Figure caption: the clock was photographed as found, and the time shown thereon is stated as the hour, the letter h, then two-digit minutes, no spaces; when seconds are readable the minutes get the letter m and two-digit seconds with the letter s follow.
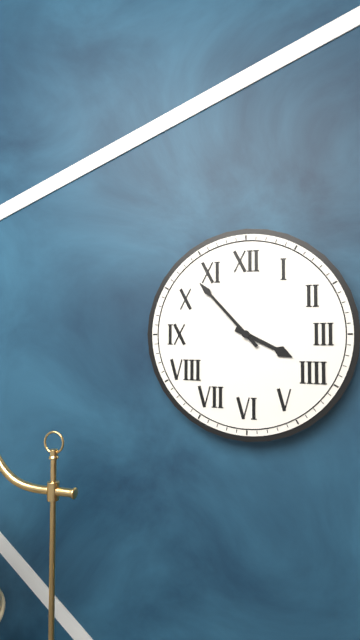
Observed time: 3h53
